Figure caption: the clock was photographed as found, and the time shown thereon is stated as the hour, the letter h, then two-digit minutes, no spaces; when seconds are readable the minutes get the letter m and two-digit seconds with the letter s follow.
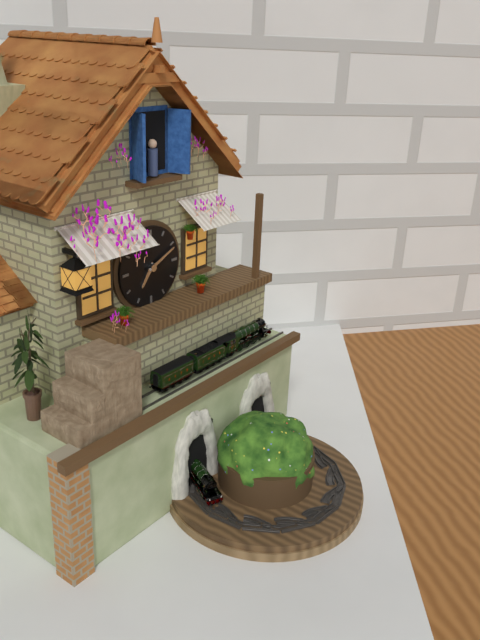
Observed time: 7h11
